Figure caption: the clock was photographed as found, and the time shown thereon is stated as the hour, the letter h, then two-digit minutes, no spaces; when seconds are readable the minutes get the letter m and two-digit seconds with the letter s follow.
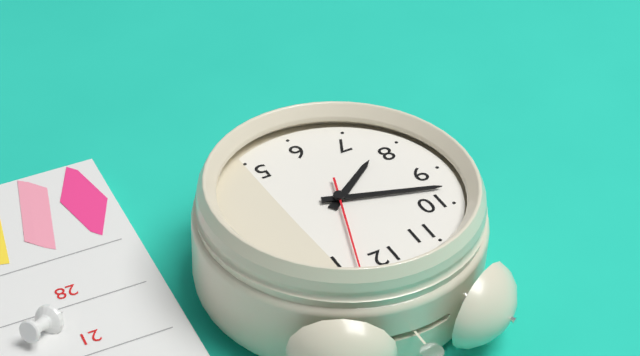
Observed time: 7h48m03s
